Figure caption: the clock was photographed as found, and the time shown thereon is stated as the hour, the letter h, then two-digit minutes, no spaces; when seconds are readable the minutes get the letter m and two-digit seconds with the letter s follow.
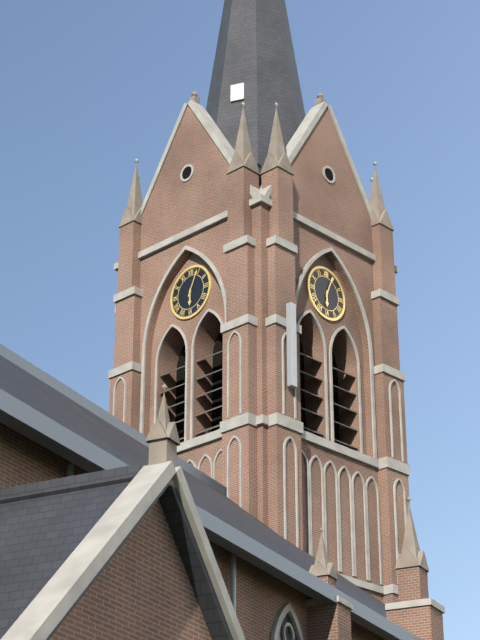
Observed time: 6h04
